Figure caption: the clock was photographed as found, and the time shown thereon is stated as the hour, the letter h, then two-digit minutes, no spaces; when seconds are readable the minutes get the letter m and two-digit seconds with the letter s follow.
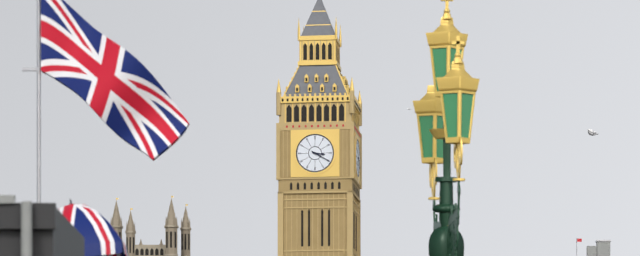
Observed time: 3h20
